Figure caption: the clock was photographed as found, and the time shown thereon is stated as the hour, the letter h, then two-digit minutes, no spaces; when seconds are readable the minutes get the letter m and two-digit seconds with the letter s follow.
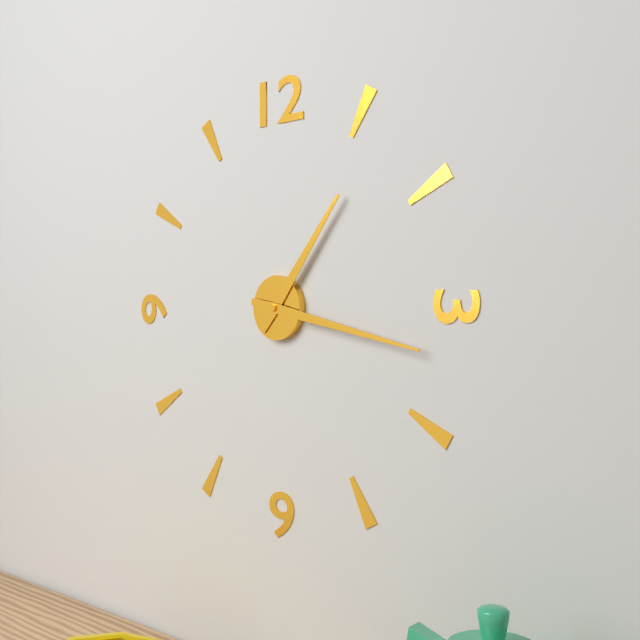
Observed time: 1h17
